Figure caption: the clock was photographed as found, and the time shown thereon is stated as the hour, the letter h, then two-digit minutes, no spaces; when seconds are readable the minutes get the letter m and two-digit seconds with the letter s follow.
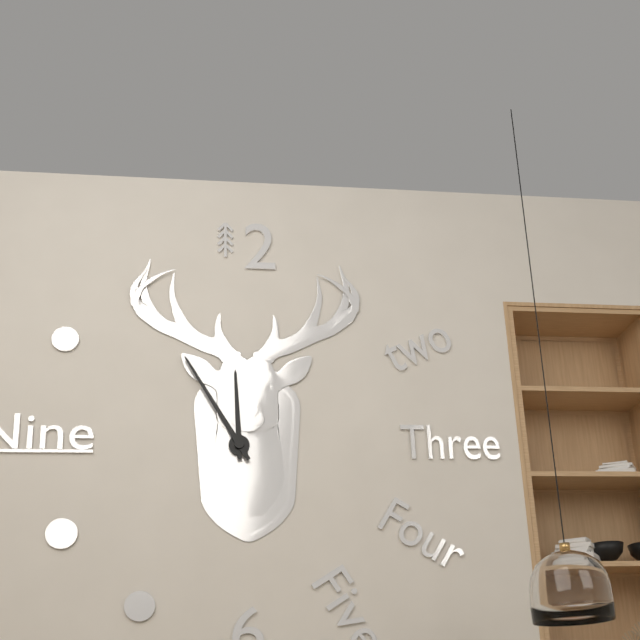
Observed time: 11h55
